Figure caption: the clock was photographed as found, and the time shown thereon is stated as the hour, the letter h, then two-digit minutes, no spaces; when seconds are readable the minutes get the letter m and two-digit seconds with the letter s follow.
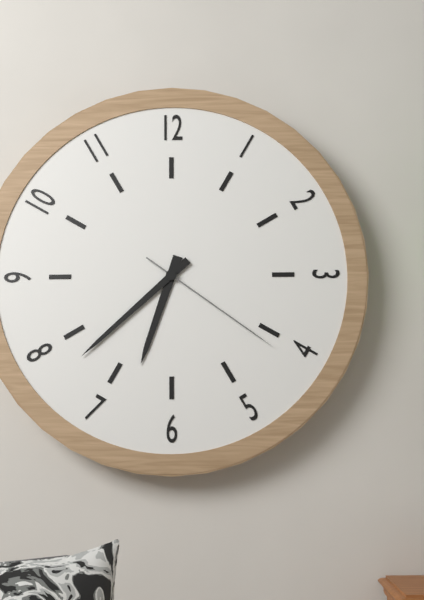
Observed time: 6h38m21s
